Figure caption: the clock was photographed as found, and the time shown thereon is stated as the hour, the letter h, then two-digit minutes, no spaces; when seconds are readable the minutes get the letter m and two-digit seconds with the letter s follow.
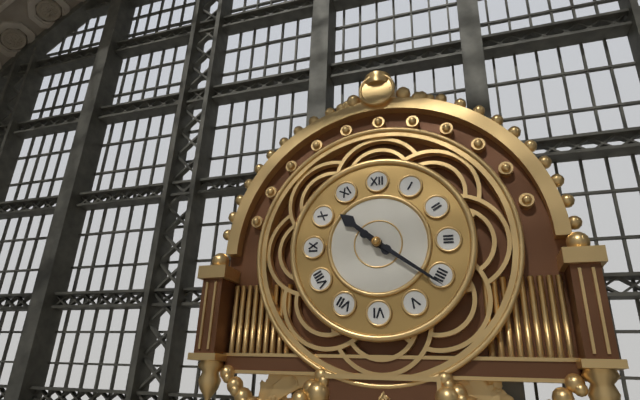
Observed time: 10h21
